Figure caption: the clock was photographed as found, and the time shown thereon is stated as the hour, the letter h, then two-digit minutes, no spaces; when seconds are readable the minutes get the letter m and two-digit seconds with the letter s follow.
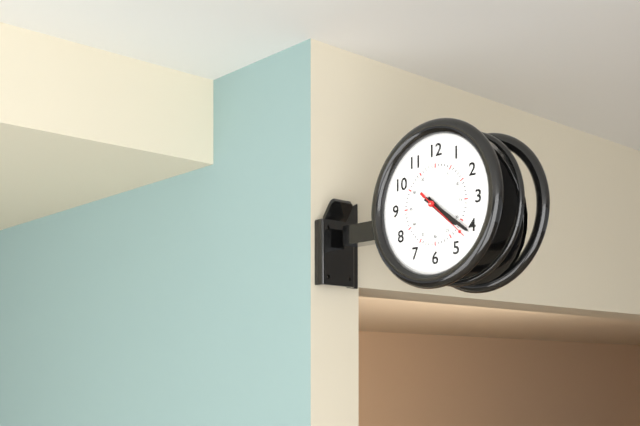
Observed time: 4h21m22s
